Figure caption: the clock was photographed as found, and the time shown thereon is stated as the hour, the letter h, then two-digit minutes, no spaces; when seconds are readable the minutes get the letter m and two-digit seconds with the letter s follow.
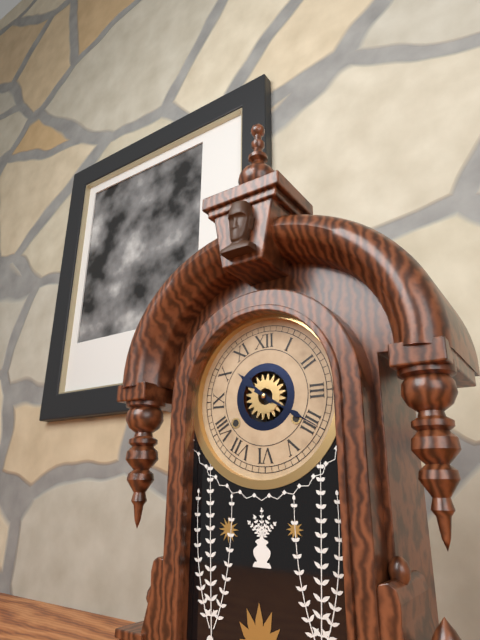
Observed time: 10h20
